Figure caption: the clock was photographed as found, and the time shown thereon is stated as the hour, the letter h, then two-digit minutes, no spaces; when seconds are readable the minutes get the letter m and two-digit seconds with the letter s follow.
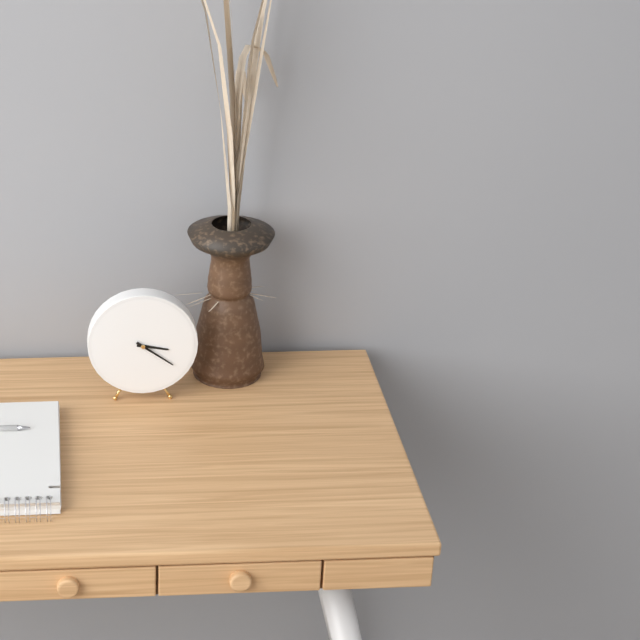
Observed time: 3h21
